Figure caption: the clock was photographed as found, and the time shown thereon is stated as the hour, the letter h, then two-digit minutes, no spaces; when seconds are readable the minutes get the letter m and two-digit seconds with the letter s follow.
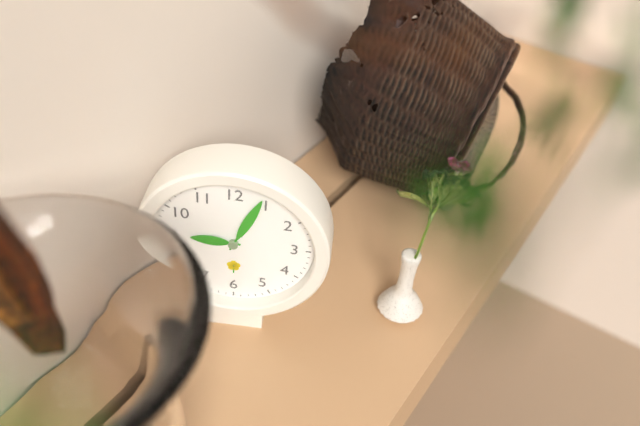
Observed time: 9h04
